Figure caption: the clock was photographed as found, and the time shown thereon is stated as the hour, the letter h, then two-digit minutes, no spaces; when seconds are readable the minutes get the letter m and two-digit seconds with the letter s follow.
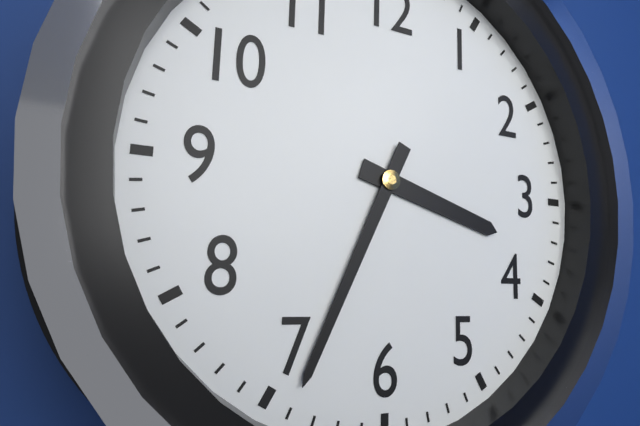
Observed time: 3h34
